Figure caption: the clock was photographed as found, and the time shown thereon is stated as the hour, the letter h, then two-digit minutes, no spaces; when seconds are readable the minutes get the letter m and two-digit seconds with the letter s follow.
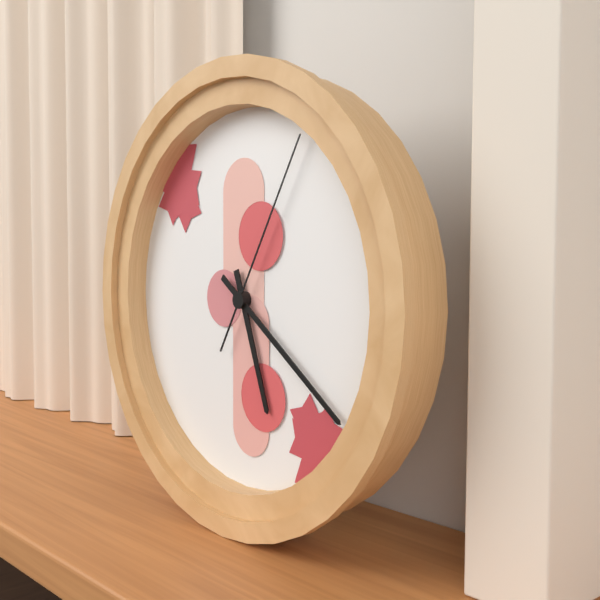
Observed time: 5h21m05s
